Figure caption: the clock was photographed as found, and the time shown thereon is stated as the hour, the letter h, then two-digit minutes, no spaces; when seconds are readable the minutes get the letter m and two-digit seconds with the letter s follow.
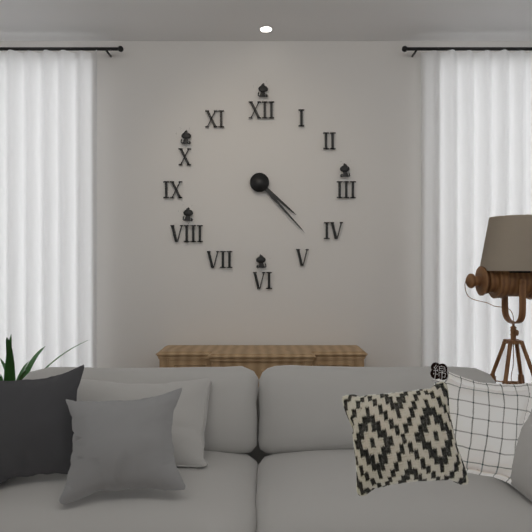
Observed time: 4h23
